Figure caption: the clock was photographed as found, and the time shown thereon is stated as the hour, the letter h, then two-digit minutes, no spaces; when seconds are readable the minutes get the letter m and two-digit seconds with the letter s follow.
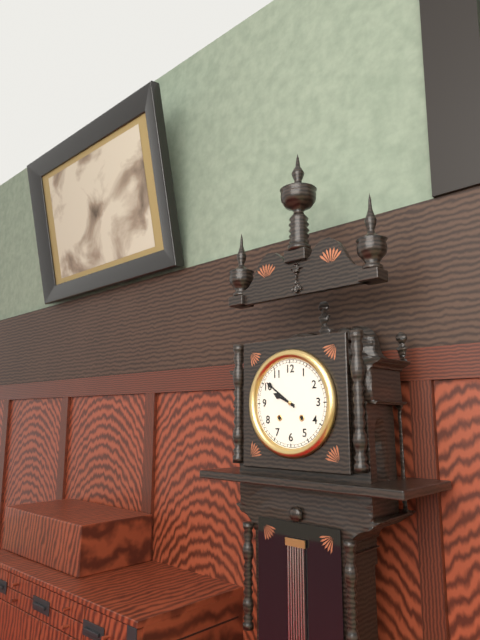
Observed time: 9h51
